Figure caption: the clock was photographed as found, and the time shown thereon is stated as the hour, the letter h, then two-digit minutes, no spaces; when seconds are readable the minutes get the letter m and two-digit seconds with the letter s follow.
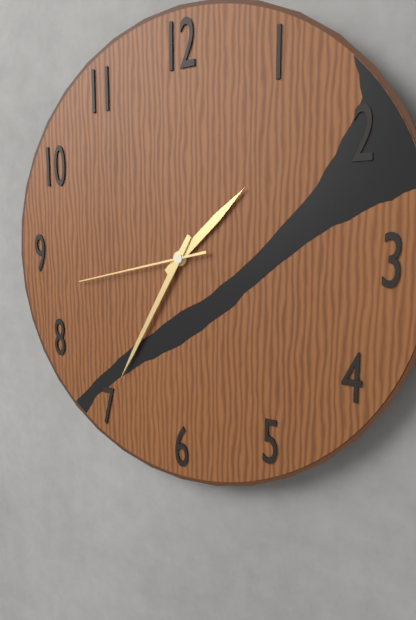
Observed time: 1h35m43s
